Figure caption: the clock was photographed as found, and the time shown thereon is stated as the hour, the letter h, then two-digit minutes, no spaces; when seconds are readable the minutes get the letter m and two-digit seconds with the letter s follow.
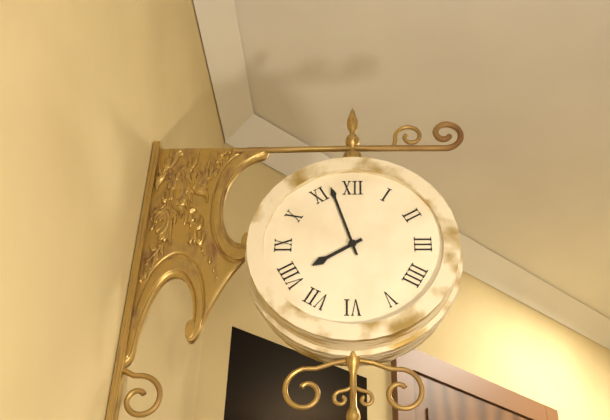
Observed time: 7h57
